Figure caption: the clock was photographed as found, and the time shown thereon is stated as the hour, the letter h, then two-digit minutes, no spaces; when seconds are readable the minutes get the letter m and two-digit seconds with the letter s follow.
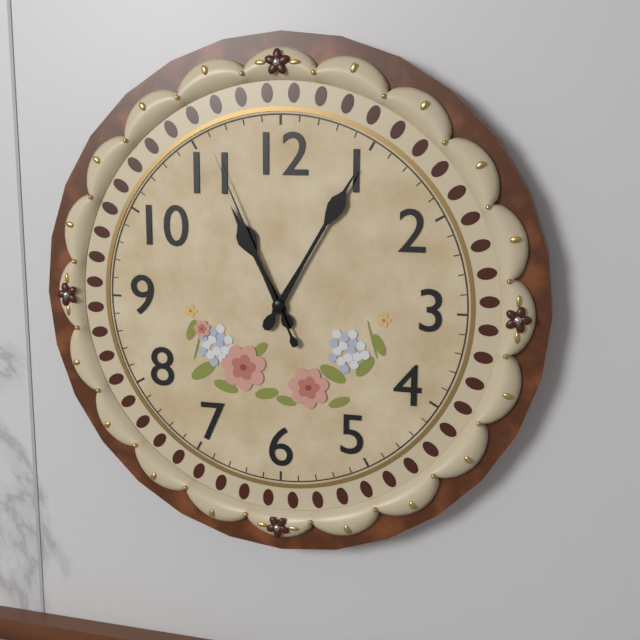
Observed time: 11h05m56s
